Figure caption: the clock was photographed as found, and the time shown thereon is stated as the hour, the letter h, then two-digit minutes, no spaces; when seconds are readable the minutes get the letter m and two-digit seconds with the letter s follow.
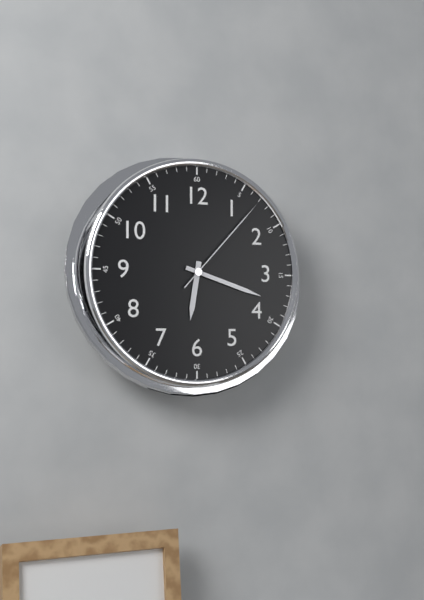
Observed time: 6h18m07s
